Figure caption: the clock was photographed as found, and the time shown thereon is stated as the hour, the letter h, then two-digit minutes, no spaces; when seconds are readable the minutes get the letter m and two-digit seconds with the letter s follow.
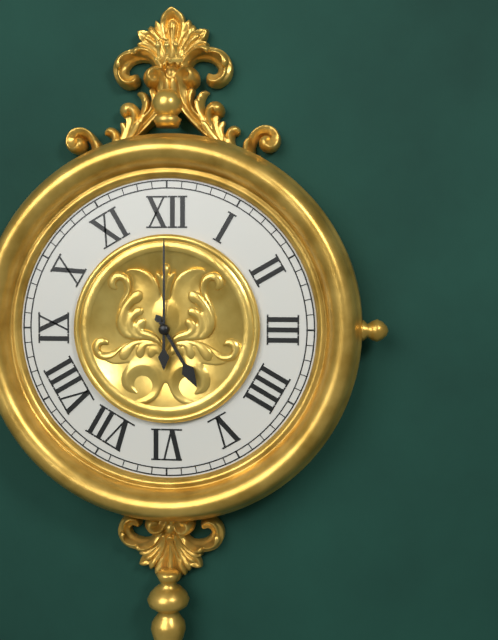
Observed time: 5h00
